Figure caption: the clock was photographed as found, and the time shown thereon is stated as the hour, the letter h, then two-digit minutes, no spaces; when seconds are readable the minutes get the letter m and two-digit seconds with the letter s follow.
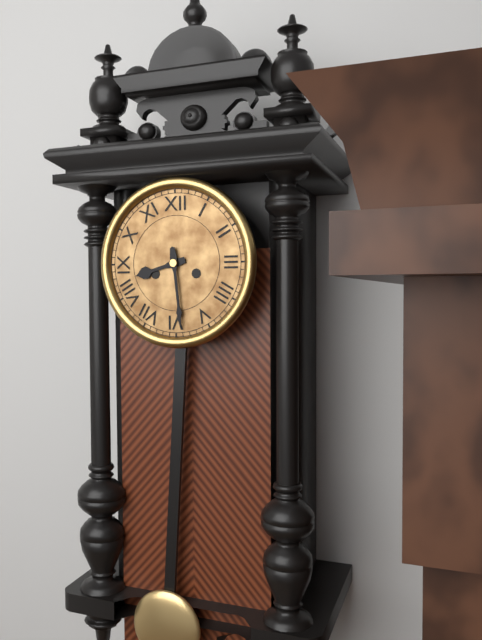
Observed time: 8h29
